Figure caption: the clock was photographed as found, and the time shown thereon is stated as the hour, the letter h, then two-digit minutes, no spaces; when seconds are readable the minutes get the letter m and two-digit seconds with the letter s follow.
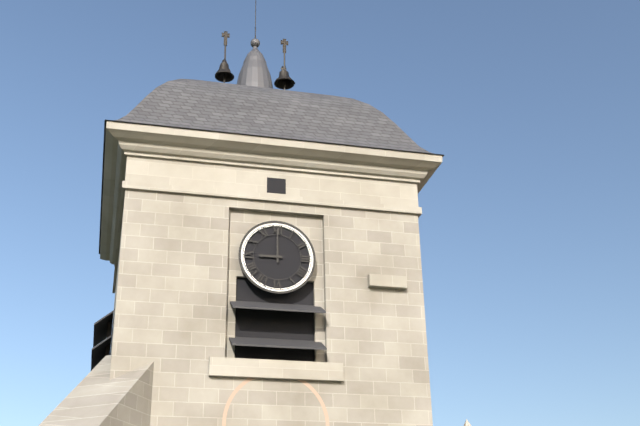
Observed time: 9h00
